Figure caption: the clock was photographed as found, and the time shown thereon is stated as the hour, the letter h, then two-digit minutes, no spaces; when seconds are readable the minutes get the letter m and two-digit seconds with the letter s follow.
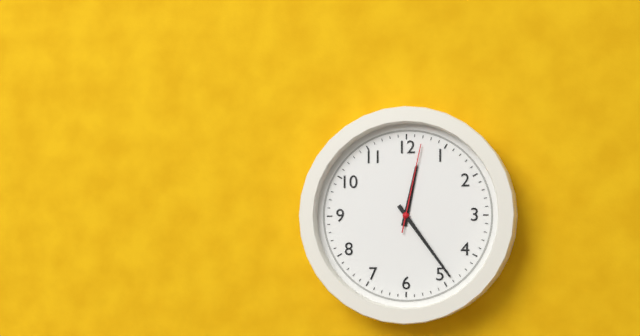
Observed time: 12h24m02s
